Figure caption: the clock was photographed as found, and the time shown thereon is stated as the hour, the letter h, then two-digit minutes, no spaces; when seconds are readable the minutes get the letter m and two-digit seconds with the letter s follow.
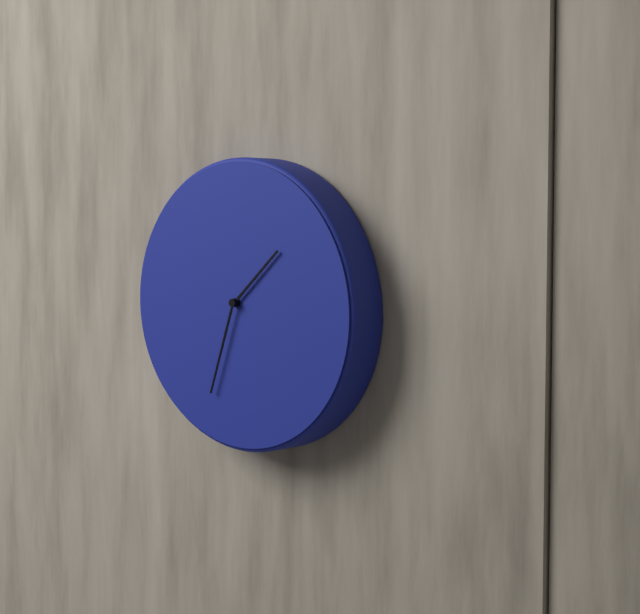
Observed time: 1h33
